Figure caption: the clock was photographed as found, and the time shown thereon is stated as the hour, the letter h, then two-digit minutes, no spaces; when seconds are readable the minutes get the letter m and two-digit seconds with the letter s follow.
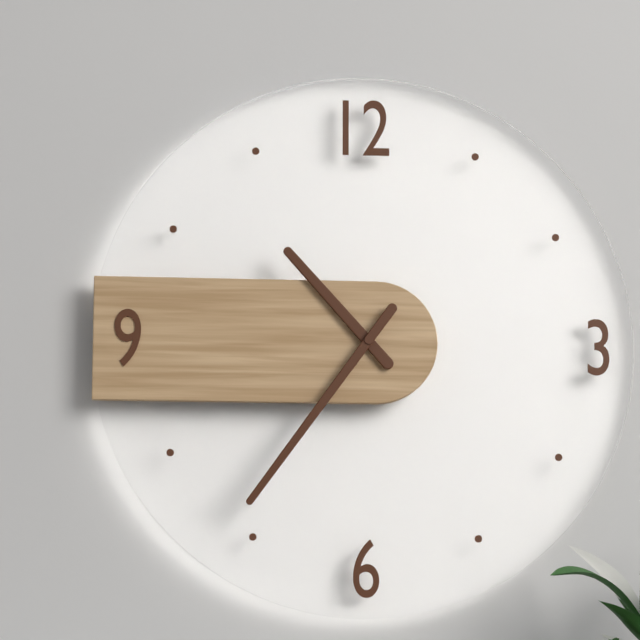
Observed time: 10h36
